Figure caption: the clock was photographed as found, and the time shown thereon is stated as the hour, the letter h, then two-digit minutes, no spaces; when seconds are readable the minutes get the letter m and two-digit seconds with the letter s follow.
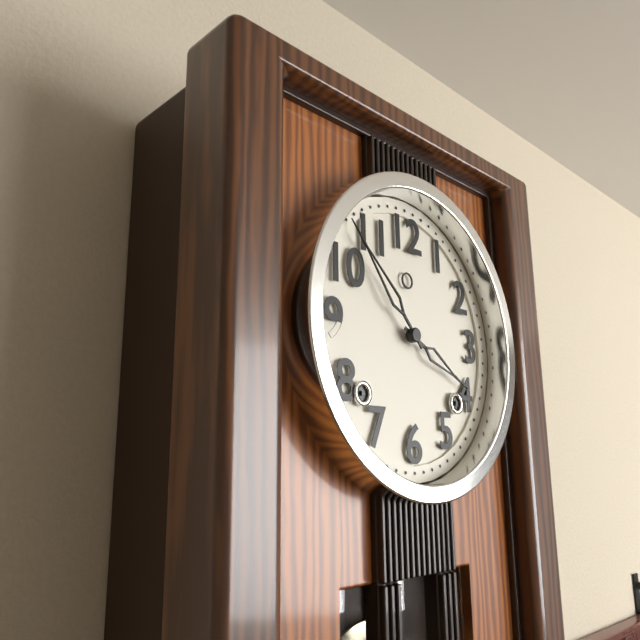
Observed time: 3h53
